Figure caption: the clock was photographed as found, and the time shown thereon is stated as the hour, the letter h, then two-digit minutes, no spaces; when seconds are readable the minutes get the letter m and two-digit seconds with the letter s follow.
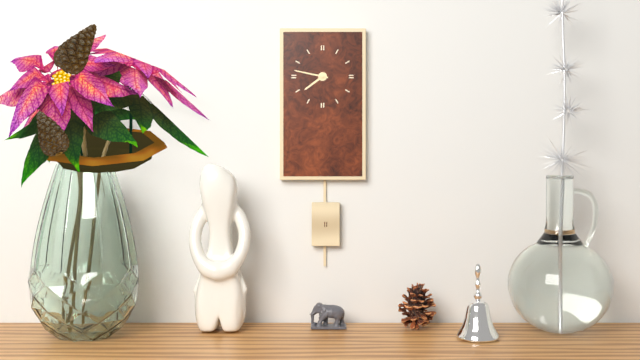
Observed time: 7h47
